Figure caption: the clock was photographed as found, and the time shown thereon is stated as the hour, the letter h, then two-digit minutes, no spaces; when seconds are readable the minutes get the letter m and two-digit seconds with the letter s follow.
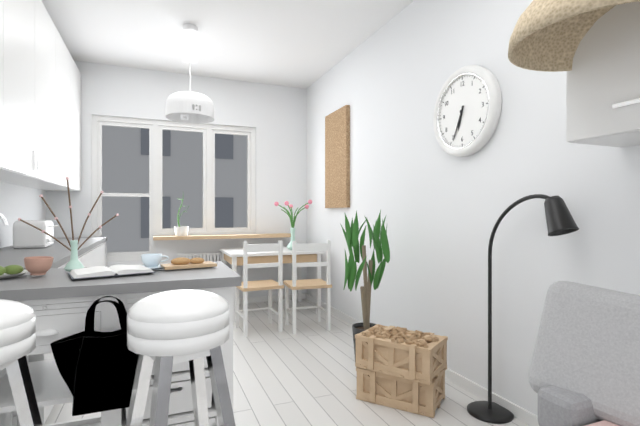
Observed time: 6h34
